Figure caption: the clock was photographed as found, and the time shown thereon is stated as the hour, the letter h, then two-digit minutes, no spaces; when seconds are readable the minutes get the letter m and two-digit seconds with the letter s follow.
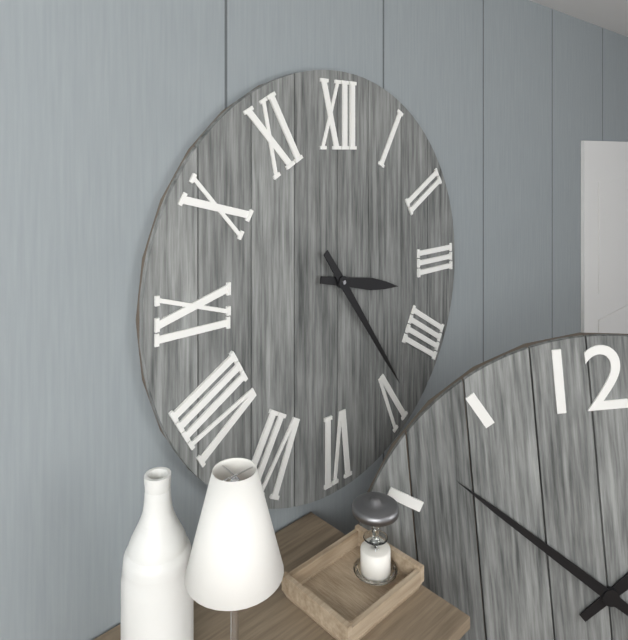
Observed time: 3h24
